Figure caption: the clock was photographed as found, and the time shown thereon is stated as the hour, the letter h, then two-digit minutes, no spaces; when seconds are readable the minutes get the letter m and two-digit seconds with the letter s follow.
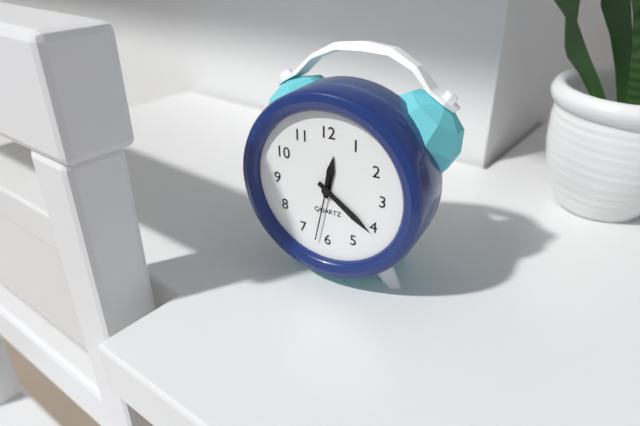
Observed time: 12h21m32s
